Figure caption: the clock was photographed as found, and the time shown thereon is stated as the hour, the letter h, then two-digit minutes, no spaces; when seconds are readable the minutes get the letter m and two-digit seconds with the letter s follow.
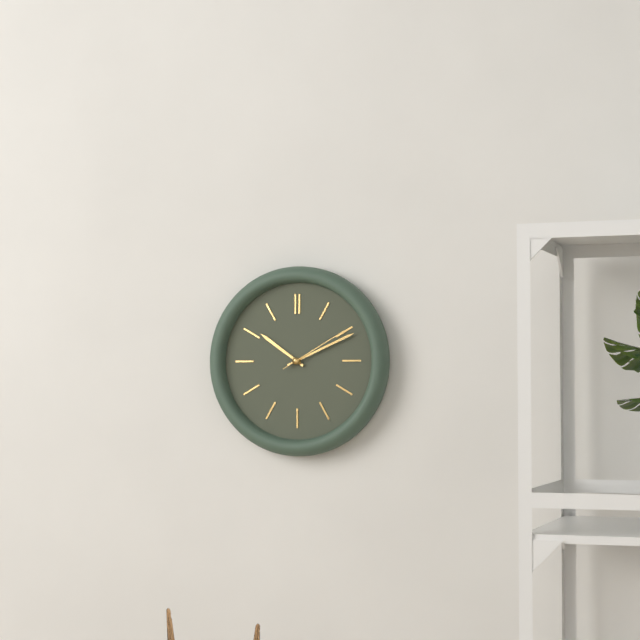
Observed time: 10h11m10s
